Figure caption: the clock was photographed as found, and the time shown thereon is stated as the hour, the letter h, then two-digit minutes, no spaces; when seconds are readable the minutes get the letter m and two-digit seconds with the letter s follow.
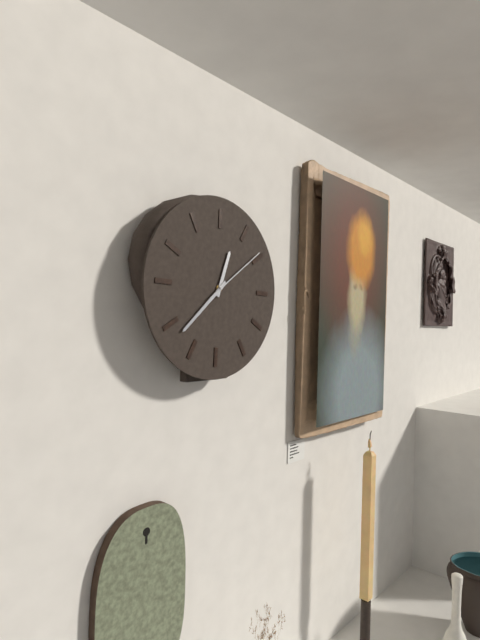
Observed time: 12h38m09s
